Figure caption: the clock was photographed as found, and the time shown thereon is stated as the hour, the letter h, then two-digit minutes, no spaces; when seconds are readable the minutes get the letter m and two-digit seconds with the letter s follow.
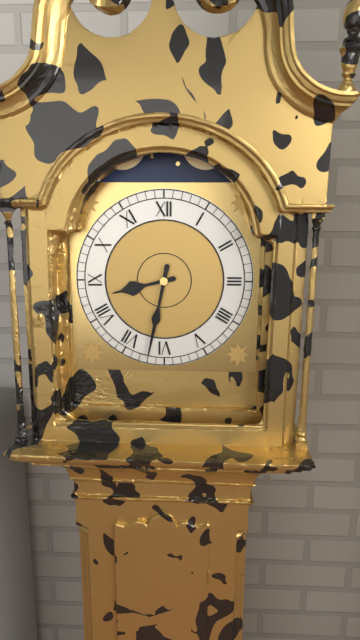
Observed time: 8h32
